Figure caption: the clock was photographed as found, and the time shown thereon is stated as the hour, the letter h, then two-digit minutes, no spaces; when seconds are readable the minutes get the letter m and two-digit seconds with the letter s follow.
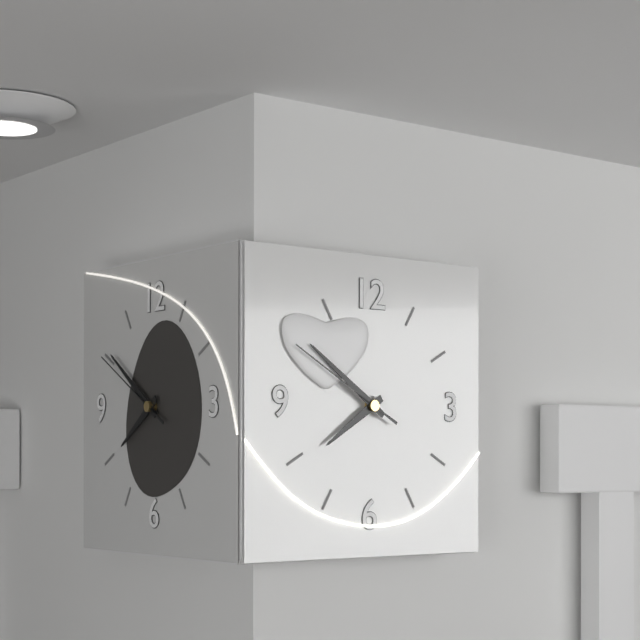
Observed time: 7h51m50s
